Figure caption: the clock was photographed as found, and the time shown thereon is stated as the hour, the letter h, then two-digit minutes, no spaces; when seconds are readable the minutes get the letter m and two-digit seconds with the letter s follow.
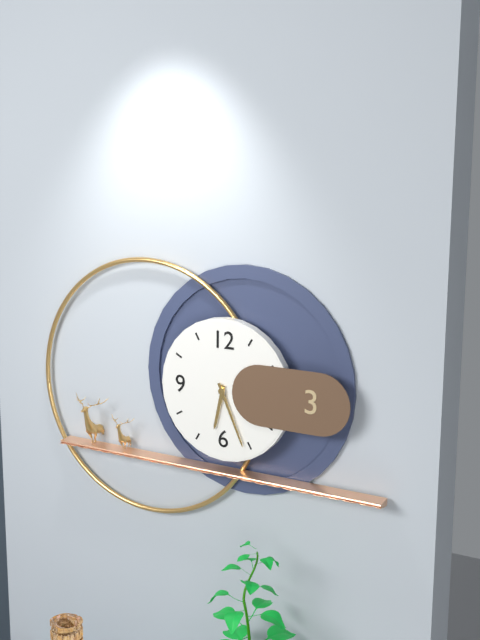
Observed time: 6h26
